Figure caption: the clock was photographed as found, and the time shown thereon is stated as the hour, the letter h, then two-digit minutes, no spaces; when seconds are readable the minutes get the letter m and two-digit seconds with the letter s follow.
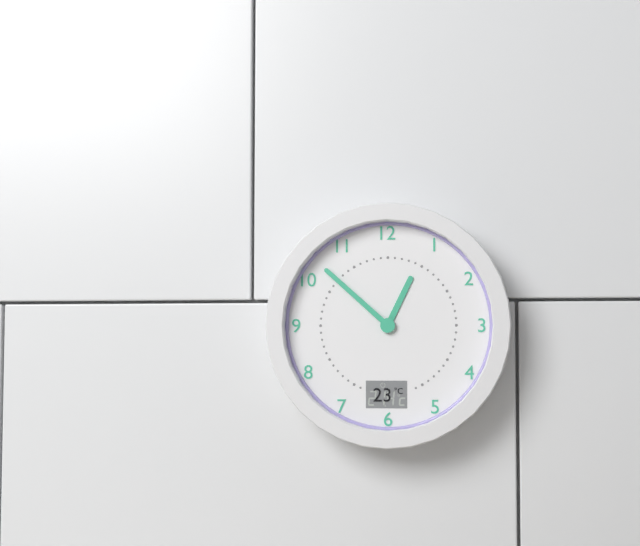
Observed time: 12h52
